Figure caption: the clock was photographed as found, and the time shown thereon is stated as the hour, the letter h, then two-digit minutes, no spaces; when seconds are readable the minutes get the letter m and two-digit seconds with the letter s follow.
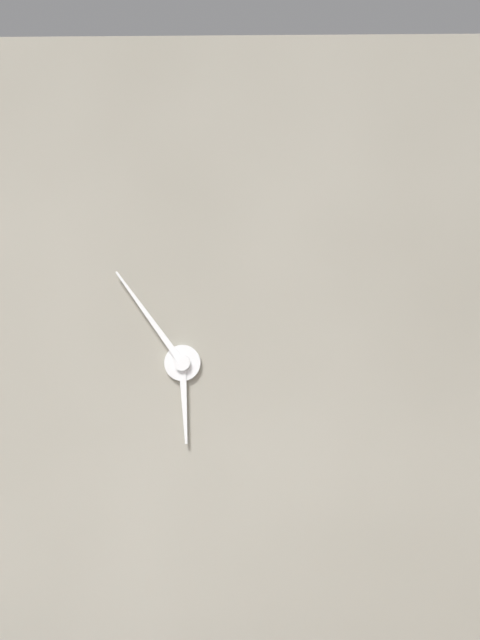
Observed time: 5h54
